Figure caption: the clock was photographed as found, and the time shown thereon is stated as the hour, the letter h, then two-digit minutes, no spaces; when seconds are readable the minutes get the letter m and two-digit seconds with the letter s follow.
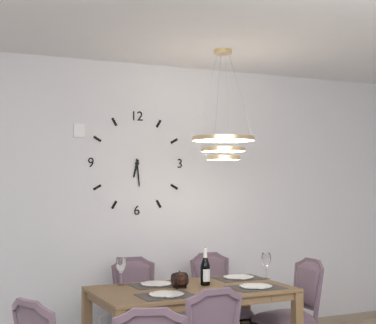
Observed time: 6h29
